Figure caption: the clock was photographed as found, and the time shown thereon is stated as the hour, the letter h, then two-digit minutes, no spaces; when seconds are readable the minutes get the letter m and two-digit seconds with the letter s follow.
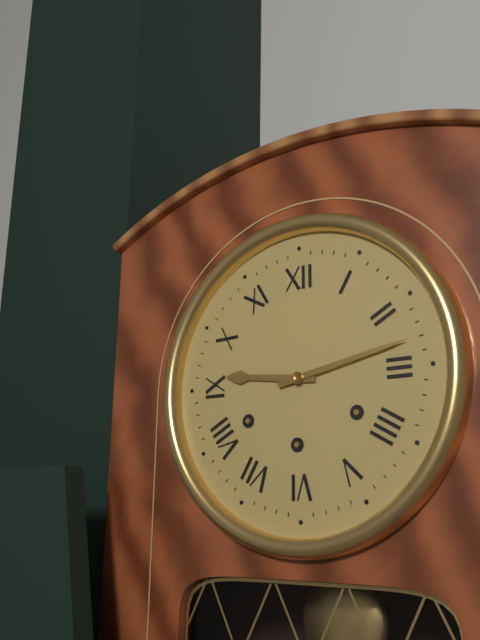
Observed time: 9h13
